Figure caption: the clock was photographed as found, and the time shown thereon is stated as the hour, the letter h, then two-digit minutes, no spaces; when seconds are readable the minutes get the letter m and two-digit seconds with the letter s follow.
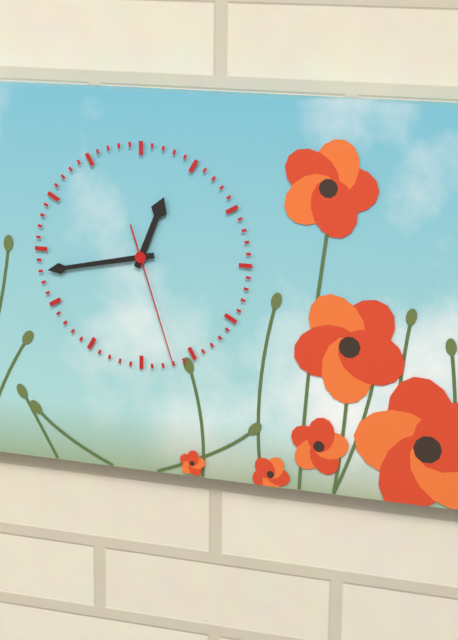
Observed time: 12h43m27s
